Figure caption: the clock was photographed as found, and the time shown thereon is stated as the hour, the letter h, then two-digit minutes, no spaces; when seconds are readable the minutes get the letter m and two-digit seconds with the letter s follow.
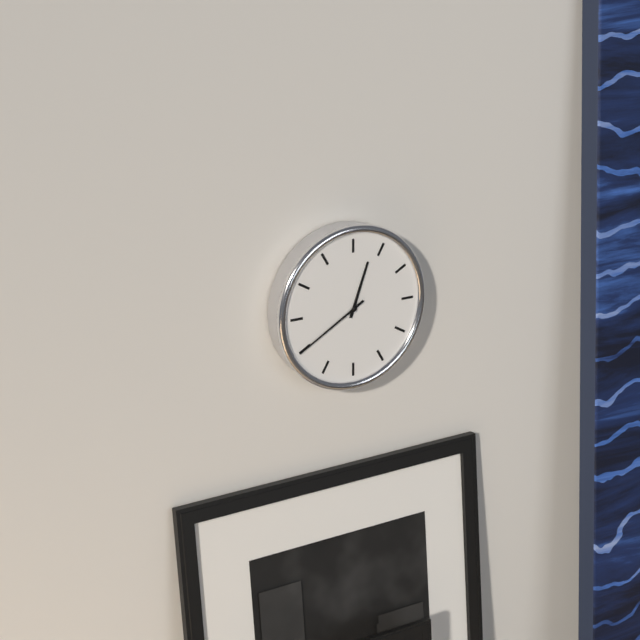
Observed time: 12h40
